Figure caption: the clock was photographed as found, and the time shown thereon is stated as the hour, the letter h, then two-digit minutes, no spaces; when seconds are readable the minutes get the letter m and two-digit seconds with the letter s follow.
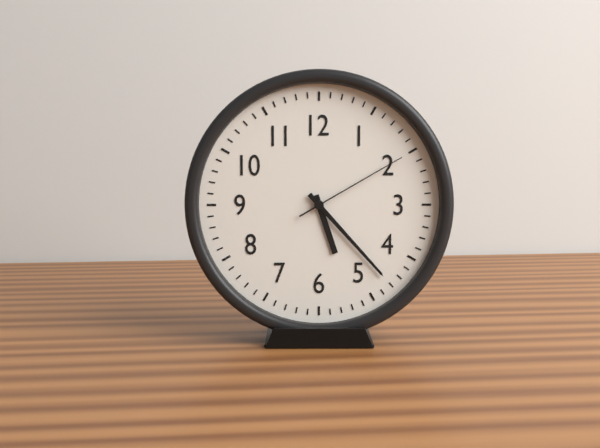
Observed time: 5h23m10s
